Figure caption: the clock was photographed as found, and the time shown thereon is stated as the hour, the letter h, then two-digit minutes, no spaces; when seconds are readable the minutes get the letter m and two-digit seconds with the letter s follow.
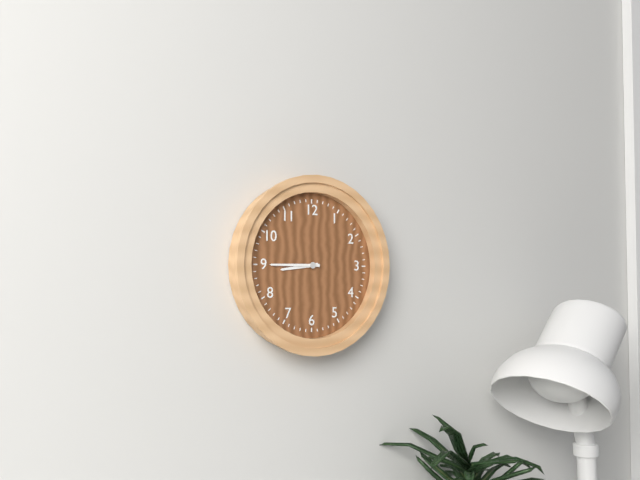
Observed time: 8h45
